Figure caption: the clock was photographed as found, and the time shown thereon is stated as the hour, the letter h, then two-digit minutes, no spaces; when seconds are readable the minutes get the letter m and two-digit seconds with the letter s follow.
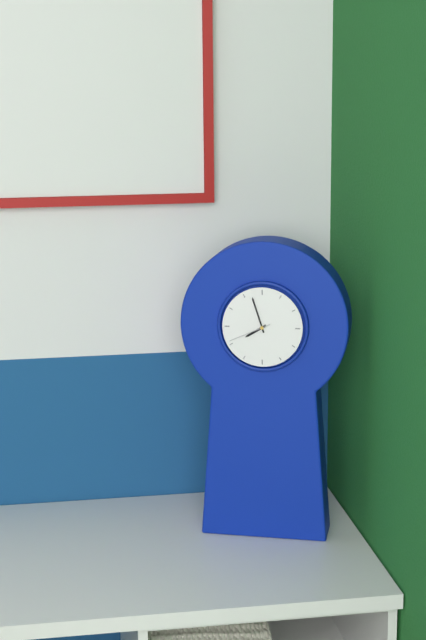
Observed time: 7h57
